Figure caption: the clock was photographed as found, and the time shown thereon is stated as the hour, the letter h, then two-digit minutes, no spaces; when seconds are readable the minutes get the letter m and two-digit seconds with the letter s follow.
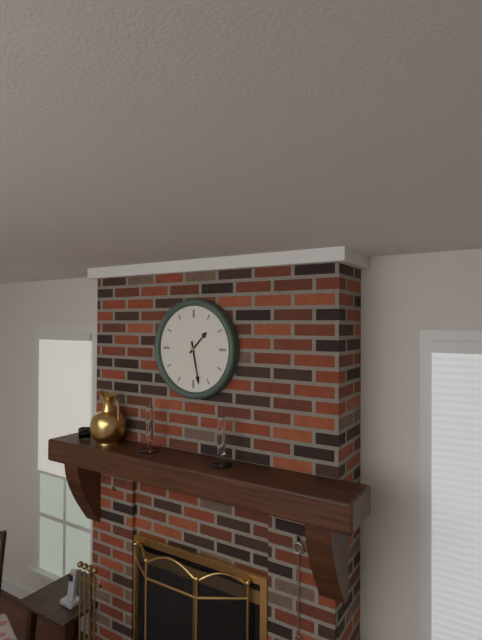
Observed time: 1h28
